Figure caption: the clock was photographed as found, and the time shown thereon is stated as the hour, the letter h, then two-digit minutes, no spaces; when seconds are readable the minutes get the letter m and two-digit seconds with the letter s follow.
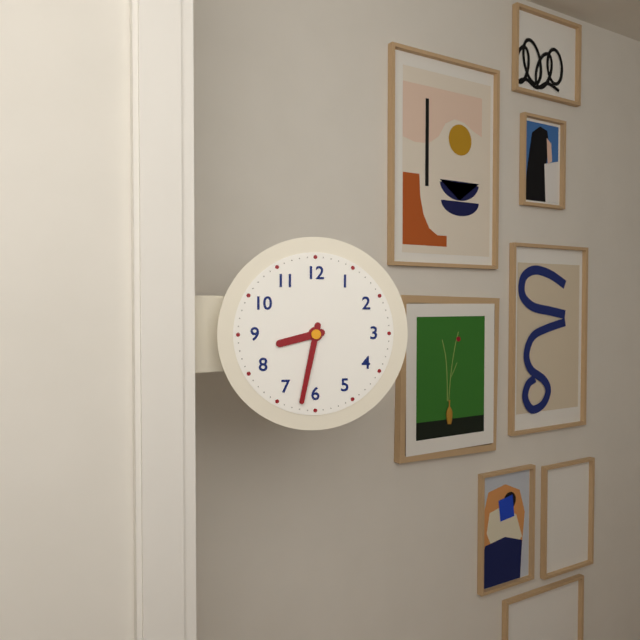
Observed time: 8h32
